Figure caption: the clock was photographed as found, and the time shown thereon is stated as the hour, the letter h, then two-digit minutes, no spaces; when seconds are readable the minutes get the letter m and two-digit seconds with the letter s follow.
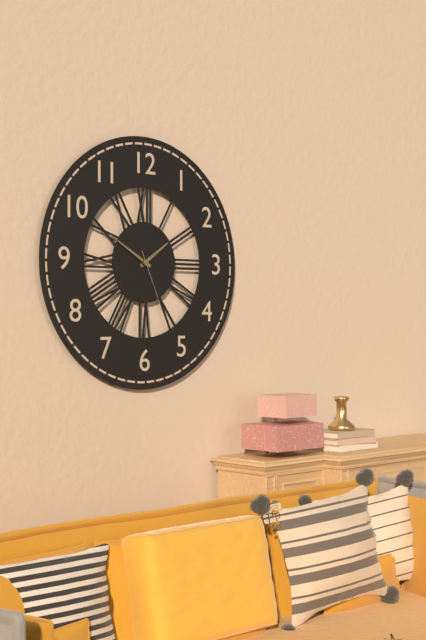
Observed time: 1h50m26s
